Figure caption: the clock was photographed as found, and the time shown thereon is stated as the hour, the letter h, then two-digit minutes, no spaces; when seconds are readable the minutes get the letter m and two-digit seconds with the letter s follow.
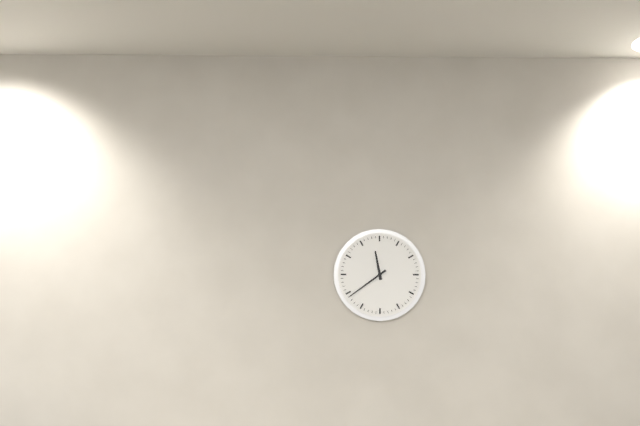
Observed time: 11h39
